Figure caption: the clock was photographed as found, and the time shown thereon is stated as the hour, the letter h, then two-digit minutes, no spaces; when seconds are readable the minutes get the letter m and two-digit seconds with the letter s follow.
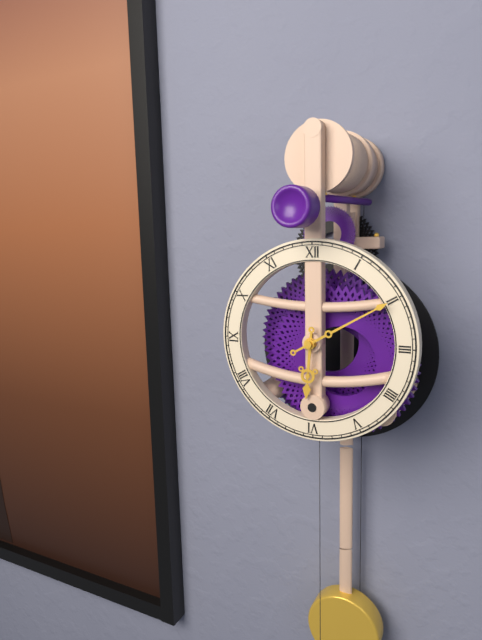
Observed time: 6h10
